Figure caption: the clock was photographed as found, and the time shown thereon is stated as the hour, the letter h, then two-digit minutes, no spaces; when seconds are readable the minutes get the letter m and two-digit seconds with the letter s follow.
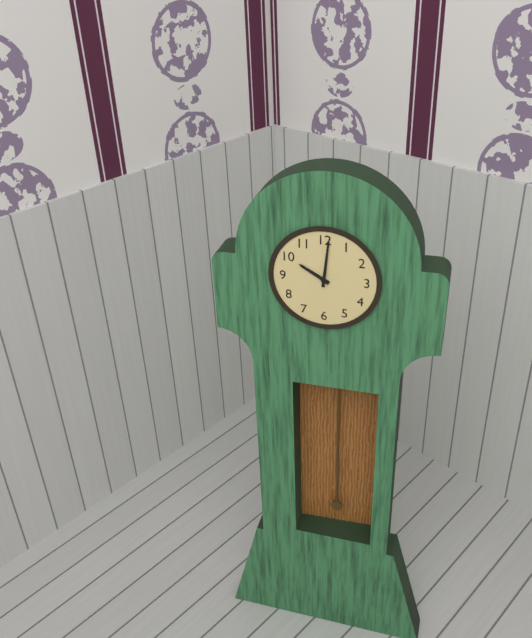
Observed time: 10h01
